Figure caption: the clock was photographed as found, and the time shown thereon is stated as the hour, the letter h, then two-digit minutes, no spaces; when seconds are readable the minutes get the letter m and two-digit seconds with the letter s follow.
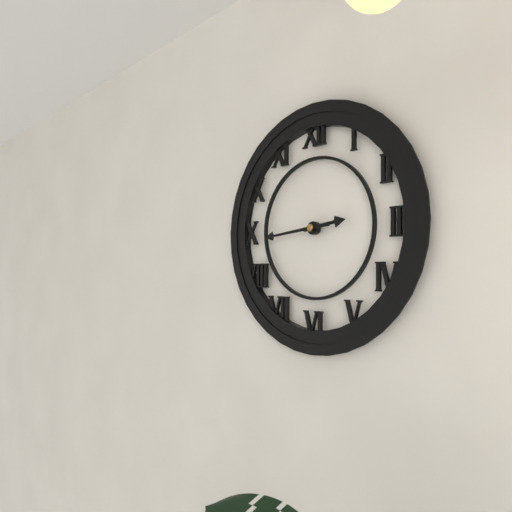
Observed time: 2h44
